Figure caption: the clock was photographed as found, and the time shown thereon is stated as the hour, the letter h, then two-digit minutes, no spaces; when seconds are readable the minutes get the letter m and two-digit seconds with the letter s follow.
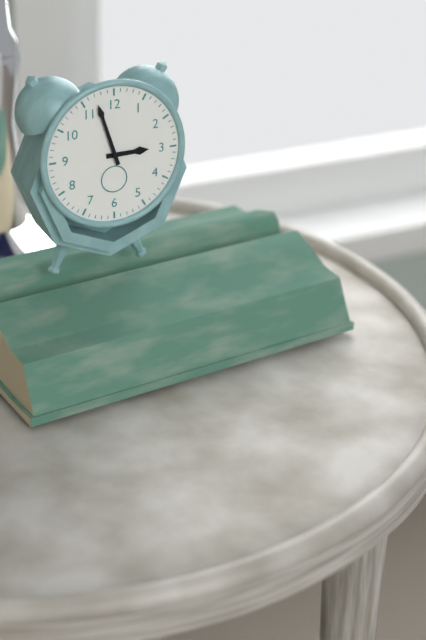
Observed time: 2h57
